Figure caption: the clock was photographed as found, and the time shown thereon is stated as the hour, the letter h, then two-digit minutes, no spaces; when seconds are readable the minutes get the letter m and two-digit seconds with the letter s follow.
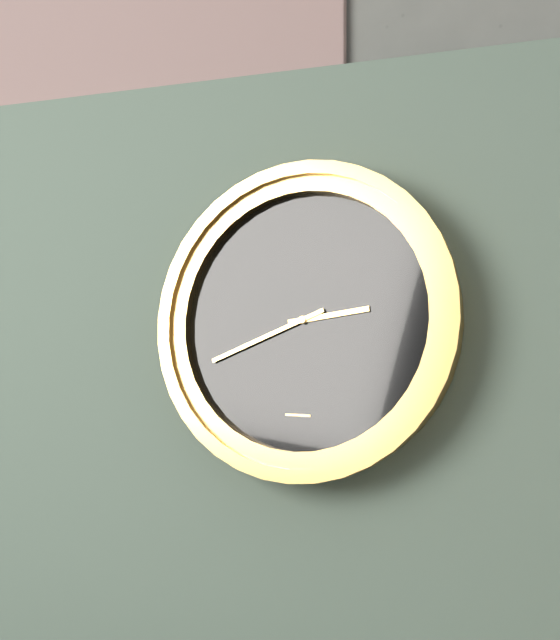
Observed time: 2h41
